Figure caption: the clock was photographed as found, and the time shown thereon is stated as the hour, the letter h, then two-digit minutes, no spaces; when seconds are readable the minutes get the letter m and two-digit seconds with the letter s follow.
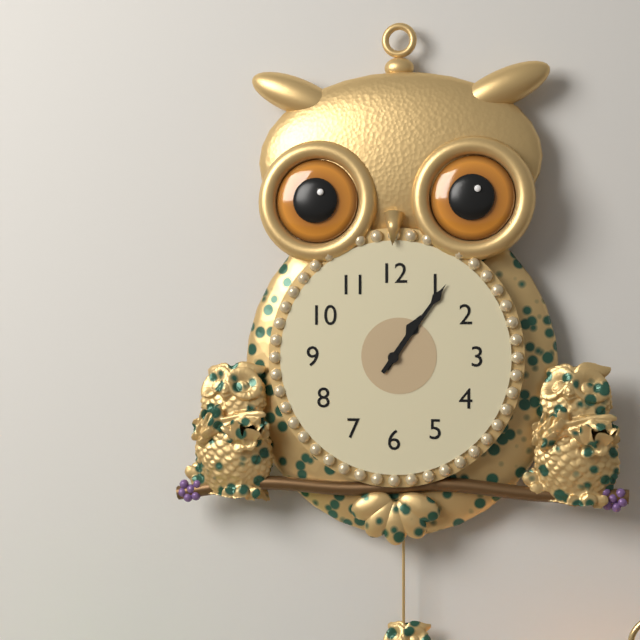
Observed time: 1h06
